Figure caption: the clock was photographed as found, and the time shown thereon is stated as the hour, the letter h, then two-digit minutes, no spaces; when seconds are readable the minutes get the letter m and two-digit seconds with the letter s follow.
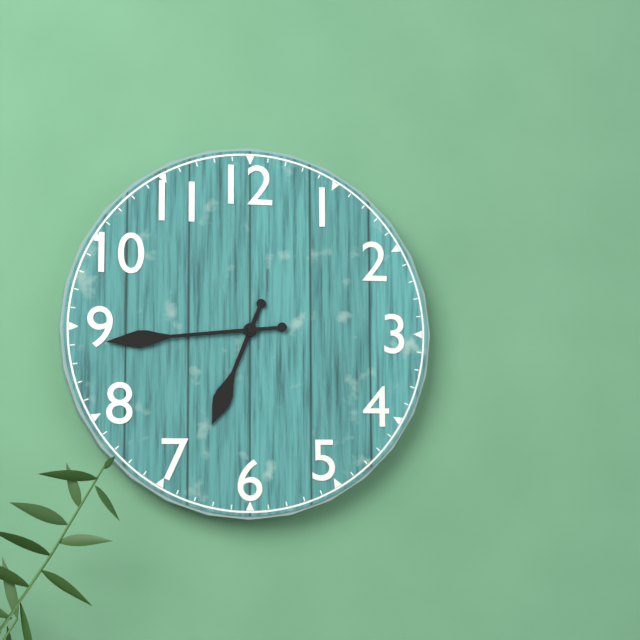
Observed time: 6h44
